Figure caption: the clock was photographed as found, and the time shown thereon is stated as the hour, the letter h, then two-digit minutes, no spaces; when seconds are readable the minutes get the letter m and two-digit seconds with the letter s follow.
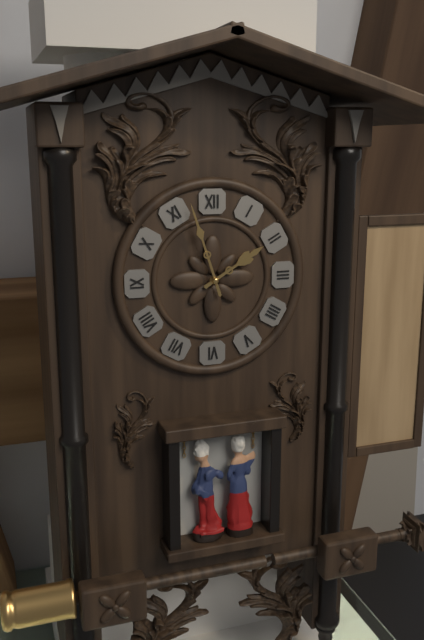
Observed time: 1h57
